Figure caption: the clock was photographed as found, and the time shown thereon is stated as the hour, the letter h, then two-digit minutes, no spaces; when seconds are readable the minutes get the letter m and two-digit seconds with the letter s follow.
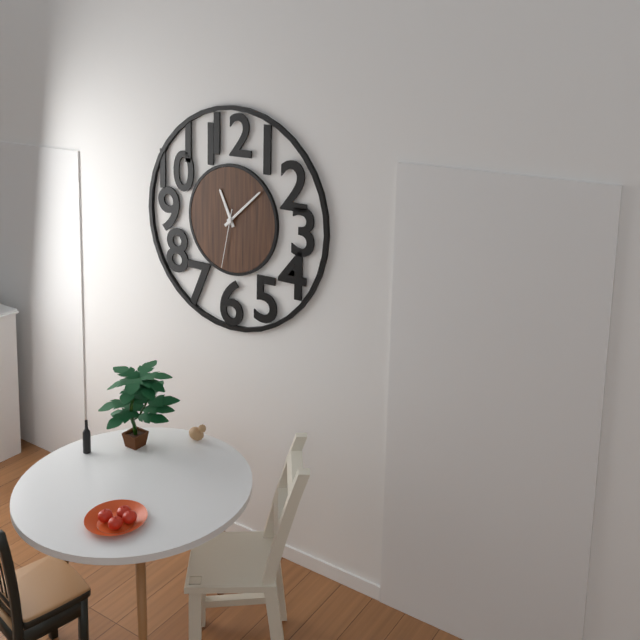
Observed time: 11h08m32s
